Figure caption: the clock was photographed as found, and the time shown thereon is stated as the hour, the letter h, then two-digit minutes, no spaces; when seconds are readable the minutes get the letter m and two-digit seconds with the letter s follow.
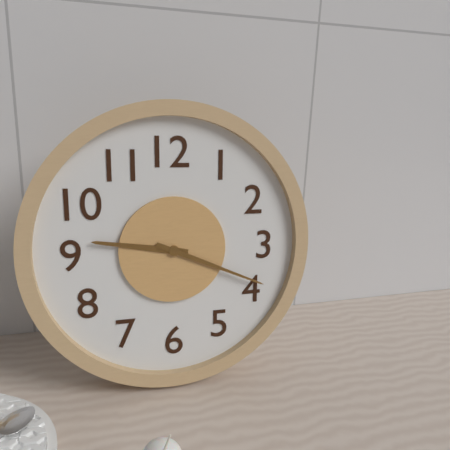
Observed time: 9h19
